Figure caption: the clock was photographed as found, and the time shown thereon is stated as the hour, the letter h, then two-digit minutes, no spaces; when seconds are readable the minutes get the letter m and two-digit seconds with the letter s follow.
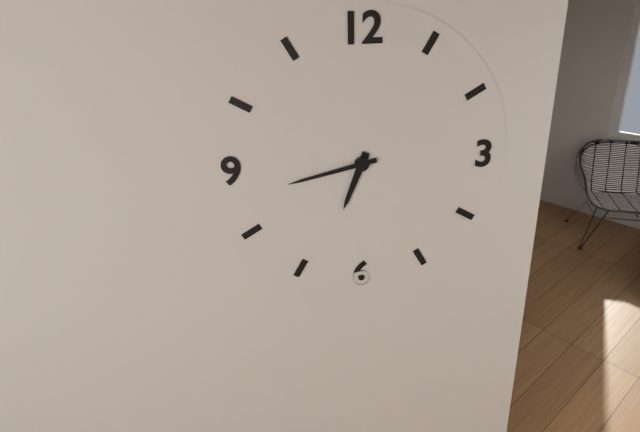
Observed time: 6h43
